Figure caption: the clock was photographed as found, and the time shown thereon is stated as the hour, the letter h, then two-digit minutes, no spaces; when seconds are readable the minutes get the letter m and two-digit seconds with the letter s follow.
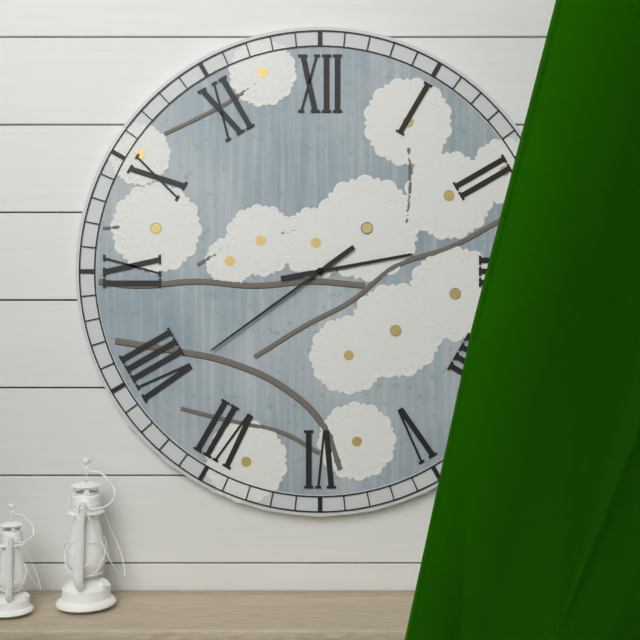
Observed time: 2h39
